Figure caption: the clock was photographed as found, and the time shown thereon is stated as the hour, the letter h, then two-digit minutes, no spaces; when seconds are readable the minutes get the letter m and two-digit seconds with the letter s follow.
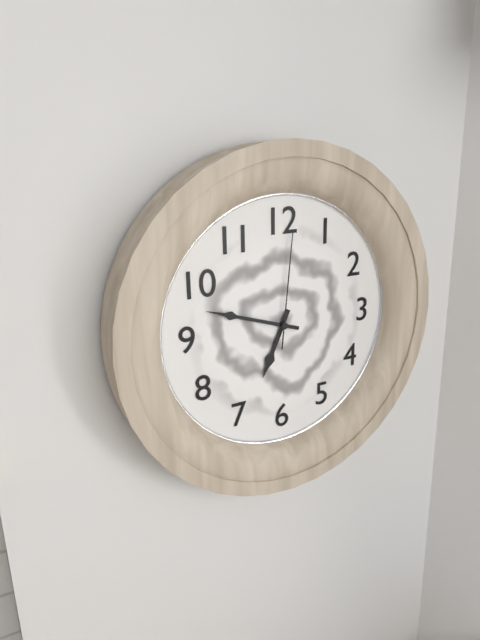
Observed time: 6h48m01s
